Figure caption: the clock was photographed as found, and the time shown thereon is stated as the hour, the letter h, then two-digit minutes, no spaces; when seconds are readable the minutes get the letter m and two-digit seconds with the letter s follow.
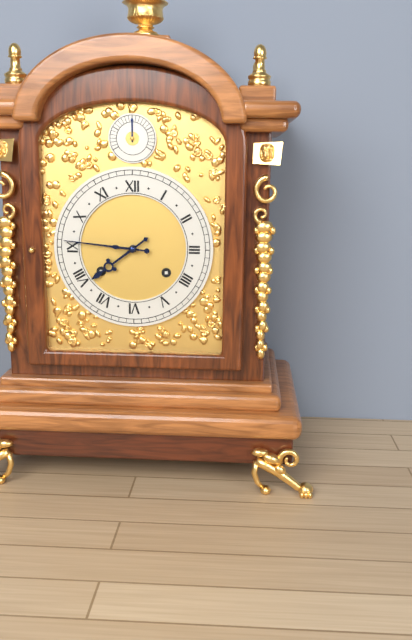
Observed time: 7h46
